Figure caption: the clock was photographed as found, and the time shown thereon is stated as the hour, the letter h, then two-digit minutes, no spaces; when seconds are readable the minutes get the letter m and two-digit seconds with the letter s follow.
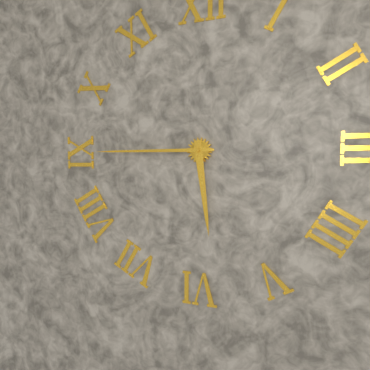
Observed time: 5h45
